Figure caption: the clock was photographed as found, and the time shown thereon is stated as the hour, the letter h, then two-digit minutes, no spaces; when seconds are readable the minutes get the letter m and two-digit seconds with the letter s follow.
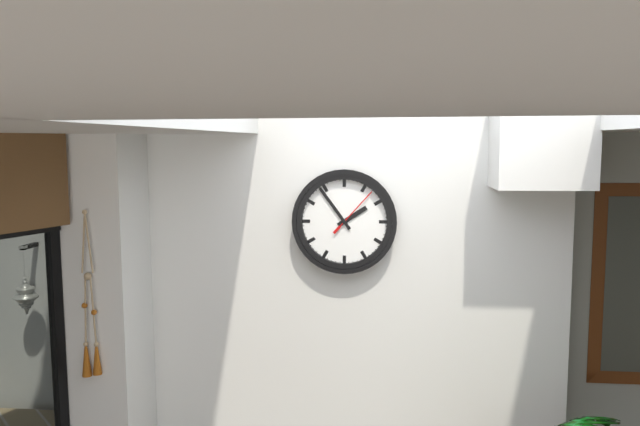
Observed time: 1h54m07s
